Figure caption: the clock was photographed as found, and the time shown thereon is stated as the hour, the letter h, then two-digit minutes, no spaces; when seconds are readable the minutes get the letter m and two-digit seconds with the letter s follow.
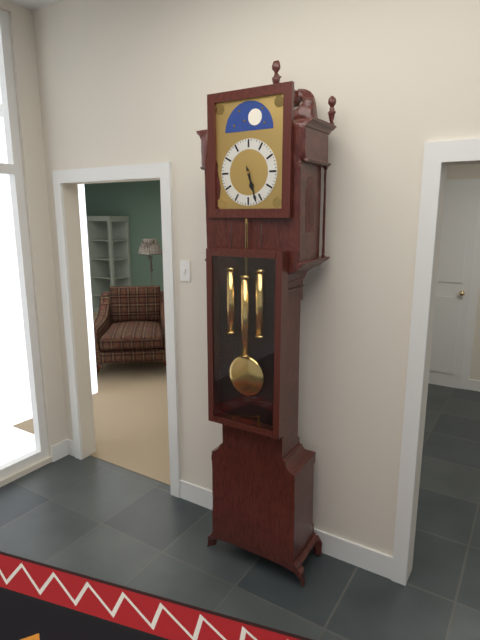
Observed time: 5h27
